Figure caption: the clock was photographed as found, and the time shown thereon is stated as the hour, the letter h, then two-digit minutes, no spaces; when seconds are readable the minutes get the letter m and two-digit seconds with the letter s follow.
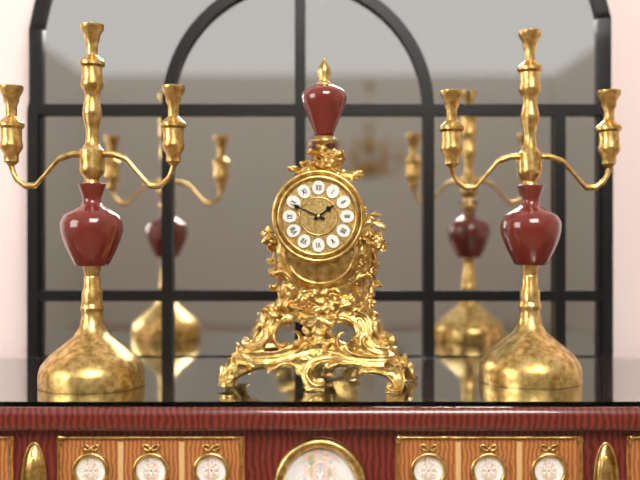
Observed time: 1h49
